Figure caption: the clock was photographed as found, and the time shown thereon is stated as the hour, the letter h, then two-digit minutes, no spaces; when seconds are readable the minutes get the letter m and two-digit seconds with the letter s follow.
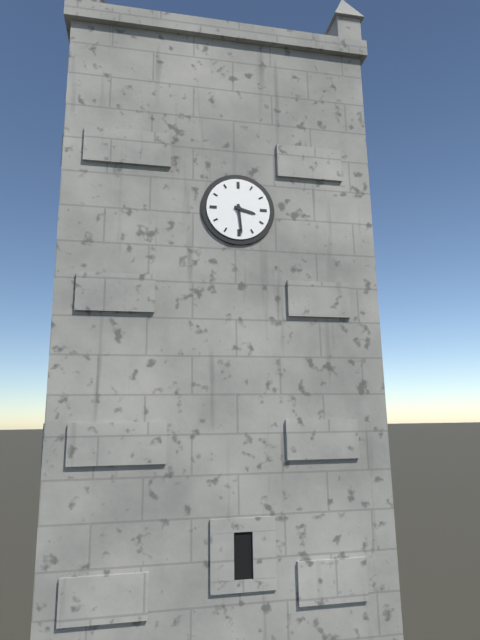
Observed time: 3h29
